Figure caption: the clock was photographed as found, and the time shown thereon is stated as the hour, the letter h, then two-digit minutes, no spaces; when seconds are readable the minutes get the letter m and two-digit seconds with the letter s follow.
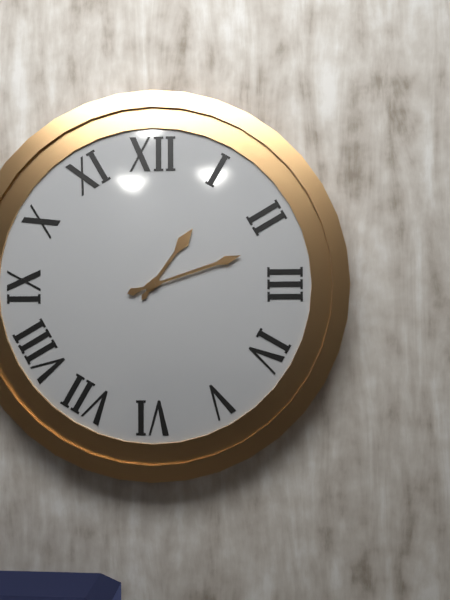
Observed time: 1h12
